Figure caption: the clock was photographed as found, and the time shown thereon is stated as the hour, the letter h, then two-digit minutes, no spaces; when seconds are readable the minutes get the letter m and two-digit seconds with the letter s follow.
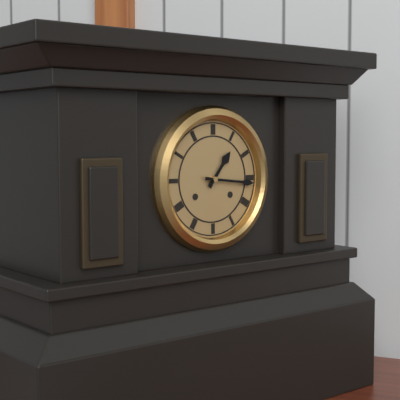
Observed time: 1h16
